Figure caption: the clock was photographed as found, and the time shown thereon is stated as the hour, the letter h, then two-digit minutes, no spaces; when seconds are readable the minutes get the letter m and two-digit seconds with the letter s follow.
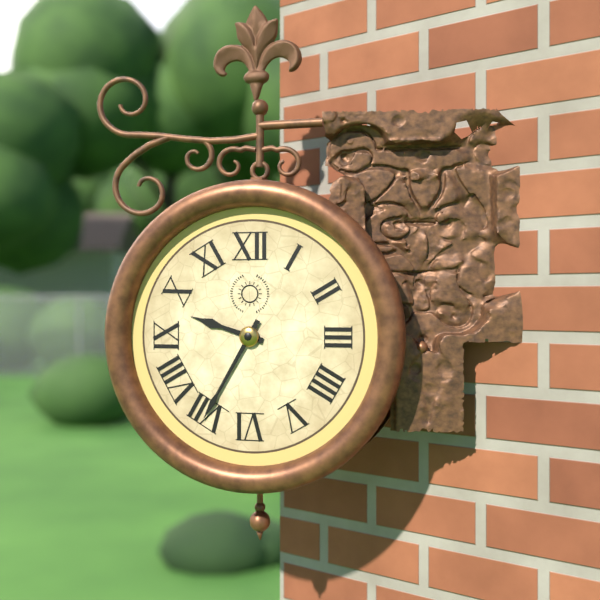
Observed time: 9h35
